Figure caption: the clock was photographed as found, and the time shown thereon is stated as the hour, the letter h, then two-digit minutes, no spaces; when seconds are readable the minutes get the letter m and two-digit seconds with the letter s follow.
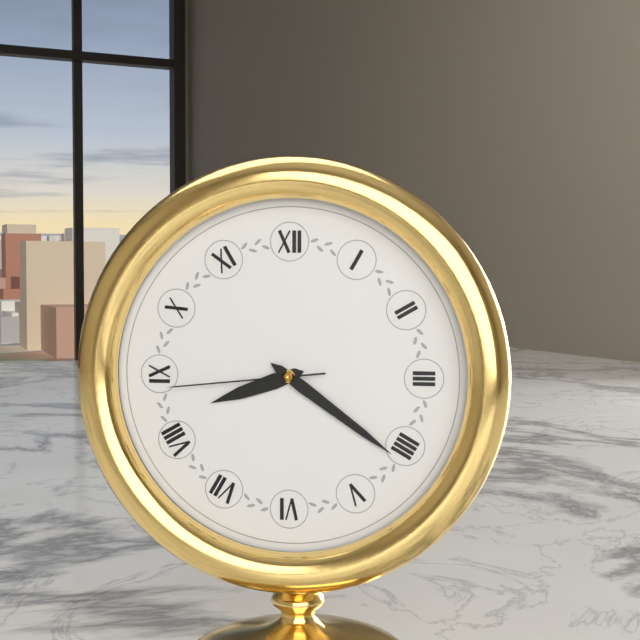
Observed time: 8h21m44s
